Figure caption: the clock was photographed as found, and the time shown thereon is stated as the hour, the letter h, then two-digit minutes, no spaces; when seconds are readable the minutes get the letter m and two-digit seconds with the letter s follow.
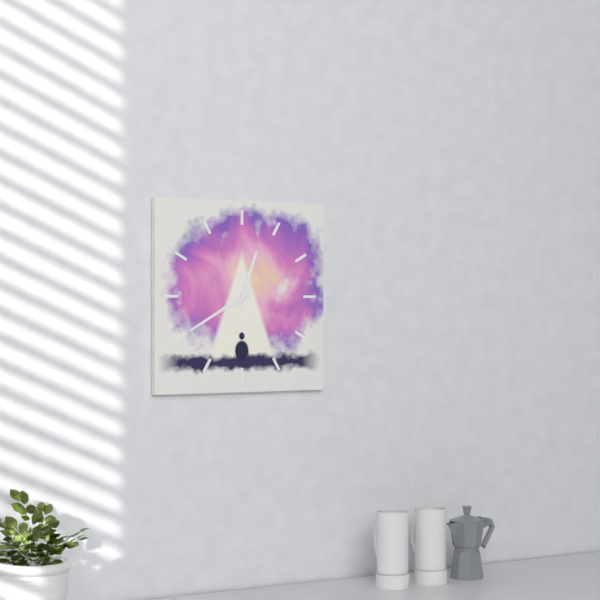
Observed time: 12h40
